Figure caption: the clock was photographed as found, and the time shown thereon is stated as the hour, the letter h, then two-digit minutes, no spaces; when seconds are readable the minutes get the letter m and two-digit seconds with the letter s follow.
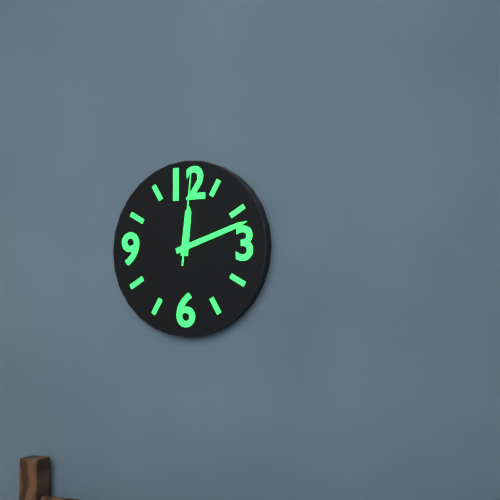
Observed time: 12h12m01s
